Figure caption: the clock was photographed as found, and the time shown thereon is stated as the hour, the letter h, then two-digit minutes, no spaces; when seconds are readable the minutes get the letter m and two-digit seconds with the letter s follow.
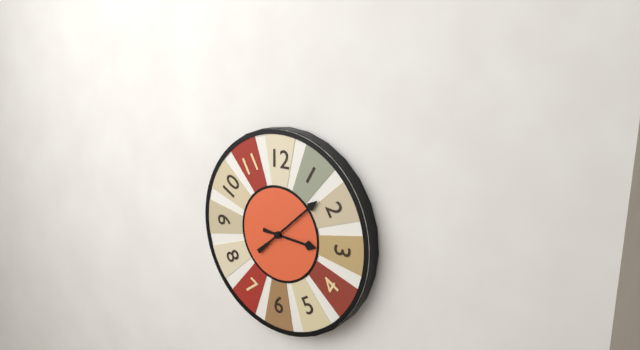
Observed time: 3h08
